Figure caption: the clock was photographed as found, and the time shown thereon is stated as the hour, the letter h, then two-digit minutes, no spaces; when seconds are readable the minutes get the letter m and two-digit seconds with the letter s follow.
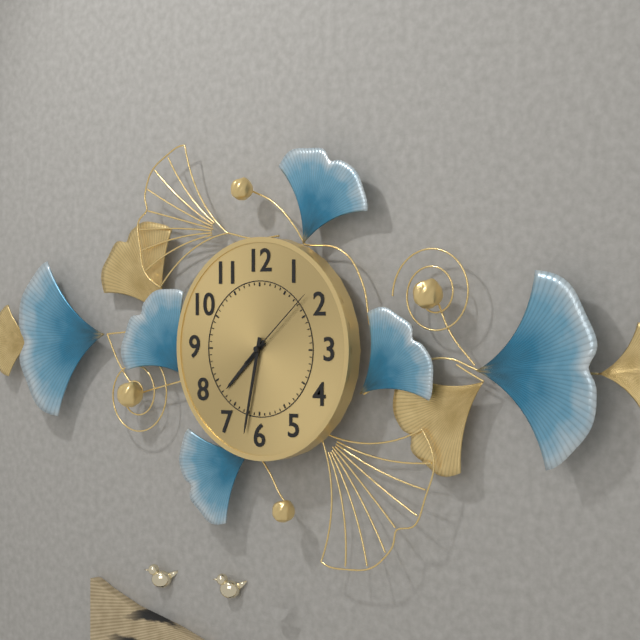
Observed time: 7h32m08s
